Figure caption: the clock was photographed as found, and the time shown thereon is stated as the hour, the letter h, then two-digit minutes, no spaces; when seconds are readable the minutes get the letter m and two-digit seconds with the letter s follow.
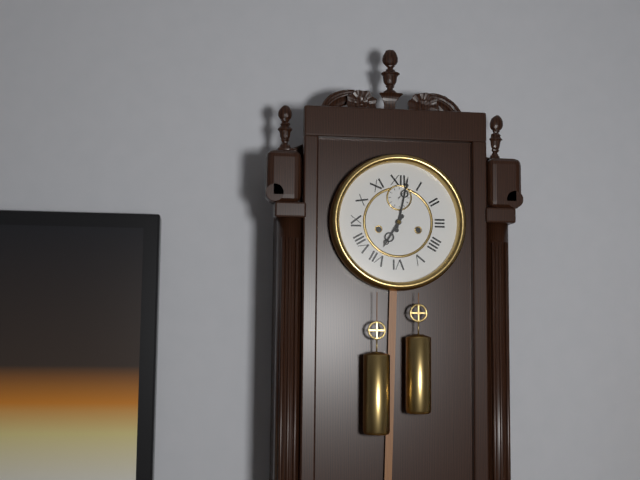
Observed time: 7h02
